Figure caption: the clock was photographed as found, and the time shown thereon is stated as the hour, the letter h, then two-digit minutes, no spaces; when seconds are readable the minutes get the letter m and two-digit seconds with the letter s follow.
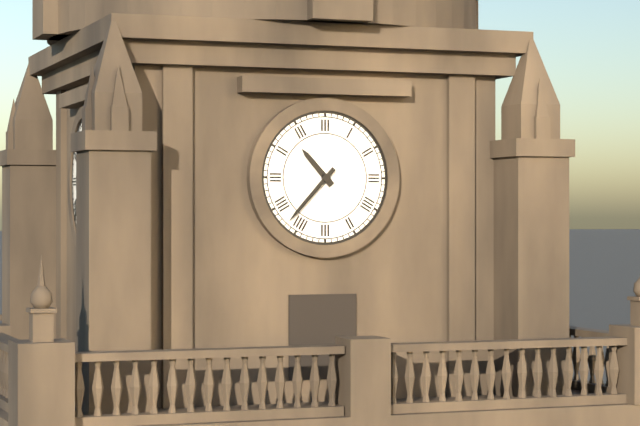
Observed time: 10h37
